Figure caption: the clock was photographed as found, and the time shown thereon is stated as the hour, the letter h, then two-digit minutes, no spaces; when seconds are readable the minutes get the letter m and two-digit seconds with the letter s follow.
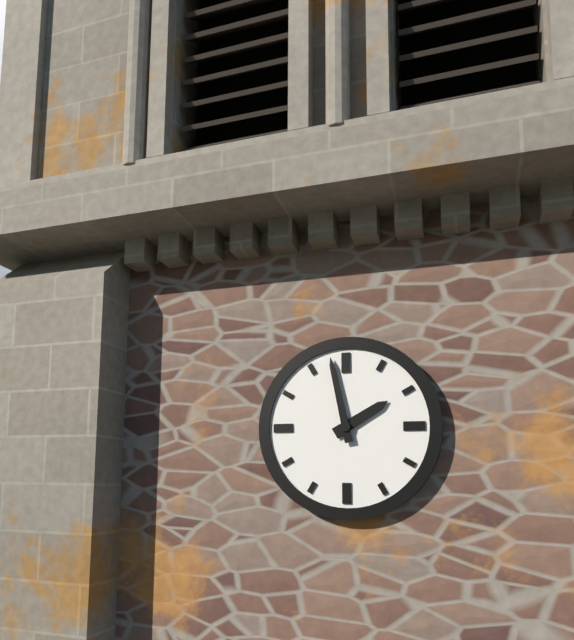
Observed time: 1h58
